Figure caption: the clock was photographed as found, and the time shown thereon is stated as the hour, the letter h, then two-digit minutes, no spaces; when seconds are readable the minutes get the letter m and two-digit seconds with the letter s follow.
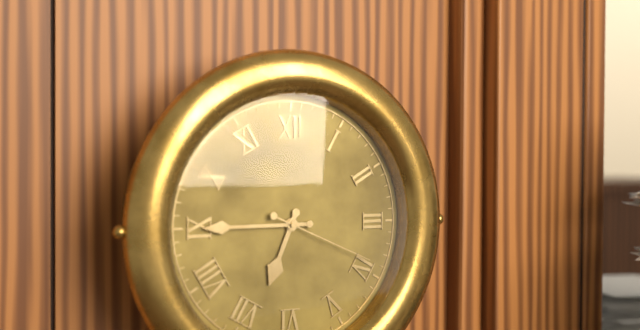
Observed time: 6h45m19s
